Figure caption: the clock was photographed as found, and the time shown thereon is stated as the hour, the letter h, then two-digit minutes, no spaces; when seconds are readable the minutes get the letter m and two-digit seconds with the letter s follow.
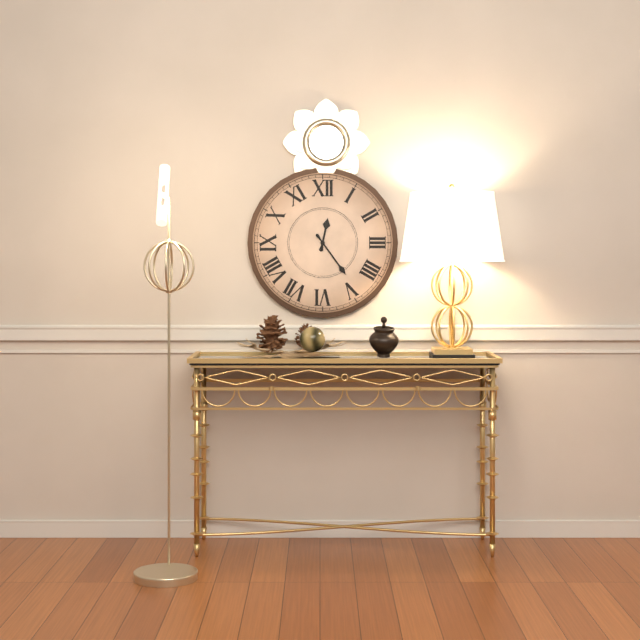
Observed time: 12h24
